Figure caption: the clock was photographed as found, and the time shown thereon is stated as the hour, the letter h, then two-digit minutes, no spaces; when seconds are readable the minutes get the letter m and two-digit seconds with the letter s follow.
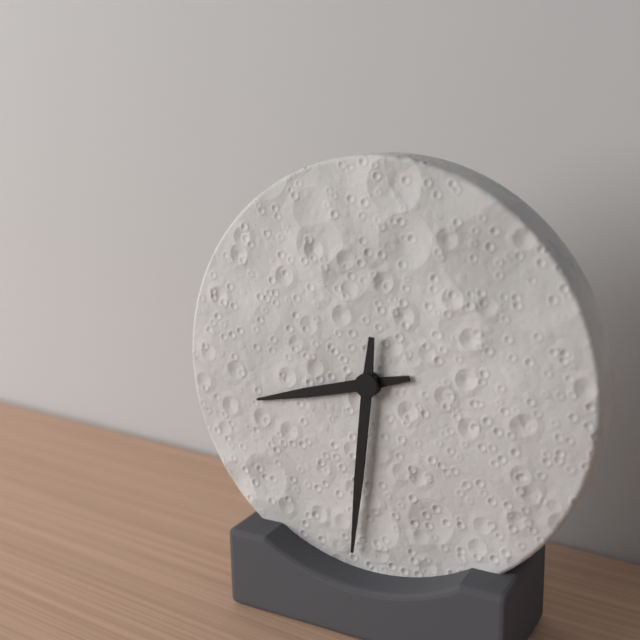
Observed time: 8h31
